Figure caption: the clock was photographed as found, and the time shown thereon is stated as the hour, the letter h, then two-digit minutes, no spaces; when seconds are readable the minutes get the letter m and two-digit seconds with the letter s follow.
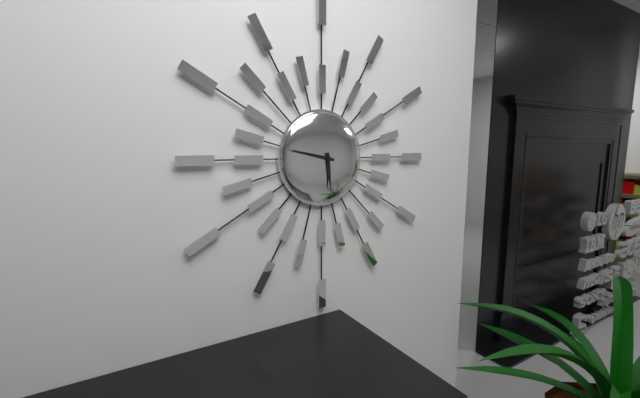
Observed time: 5h47
